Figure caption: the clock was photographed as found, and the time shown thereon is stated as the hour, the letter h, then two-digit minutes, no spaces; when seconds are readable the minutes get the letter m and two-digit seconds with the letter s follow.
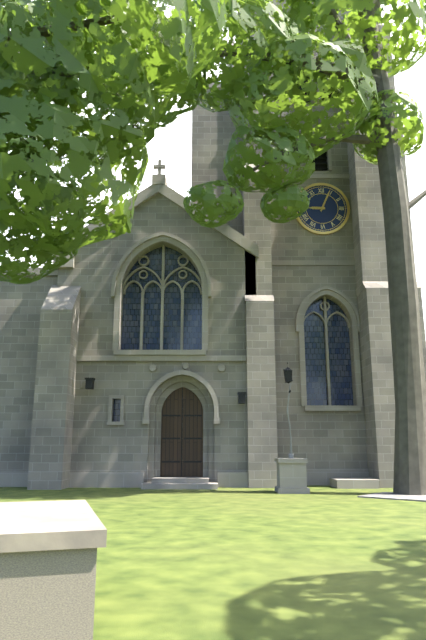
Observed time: 9h04
